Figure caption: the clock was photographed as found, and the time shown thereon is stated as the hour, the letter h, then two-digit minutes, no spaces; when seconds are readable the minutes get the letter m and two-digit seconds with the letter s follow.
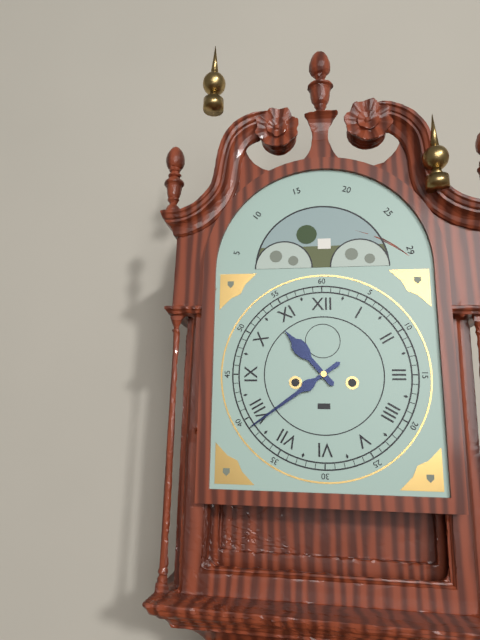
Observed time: 10h39
